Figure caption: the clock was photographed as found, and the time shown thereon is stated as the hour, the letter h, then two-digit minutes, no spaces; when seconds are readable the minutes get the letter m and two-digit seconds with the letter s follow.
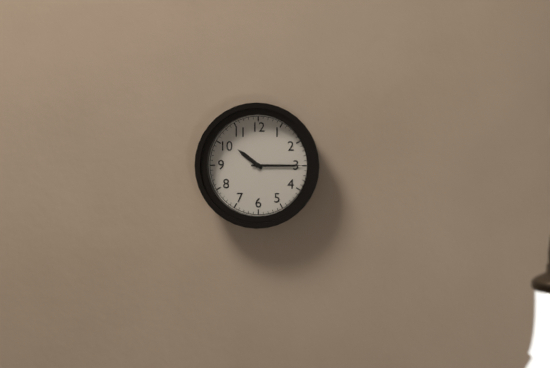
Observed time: 10h15
